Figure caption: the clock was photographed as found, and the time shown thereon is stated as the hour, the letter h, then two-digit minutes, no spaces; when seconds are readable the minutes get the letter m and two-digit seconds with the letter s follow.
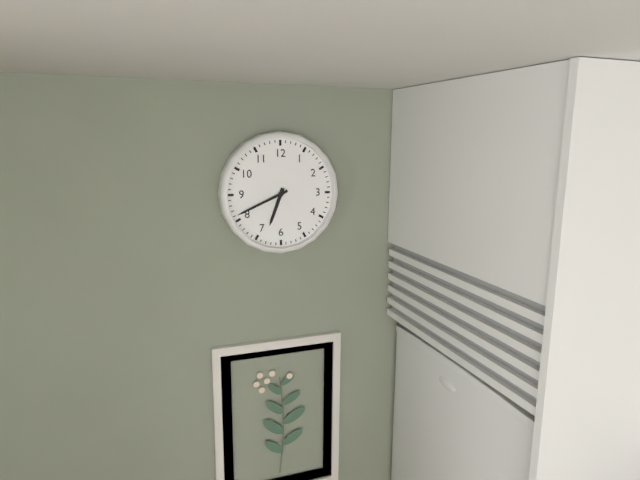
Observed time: 6h41
